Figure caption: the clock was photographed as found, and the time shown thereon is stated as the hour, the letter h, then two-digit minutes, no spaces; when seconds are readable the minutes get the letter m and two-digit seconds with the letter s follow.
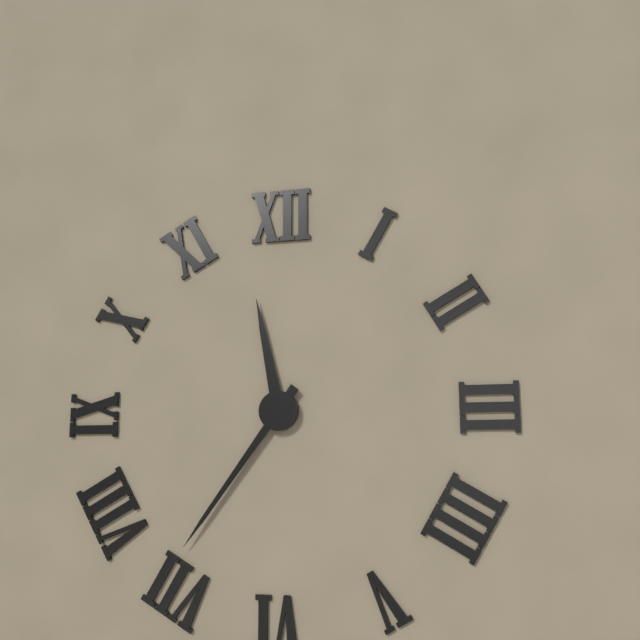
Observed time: 11h36
